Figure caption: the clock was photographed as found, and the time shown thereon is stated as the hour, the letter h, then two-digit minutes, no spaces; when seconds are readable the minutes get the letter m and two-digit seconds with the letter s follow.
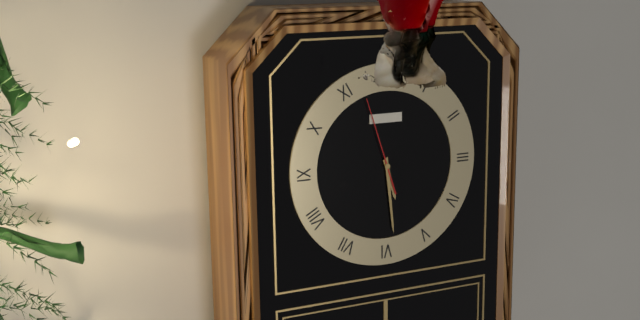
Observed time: 5h29m57s
